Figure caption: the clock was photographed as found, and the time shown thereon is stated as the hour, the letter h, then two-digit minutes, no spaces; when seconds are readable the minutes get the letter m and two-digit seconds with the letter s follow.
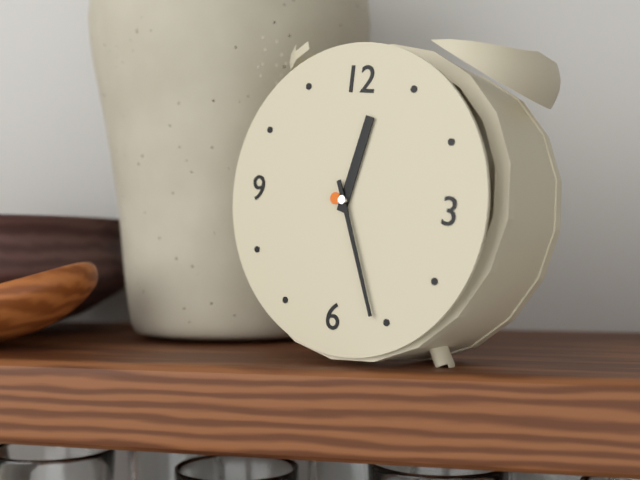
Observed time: 12h26
